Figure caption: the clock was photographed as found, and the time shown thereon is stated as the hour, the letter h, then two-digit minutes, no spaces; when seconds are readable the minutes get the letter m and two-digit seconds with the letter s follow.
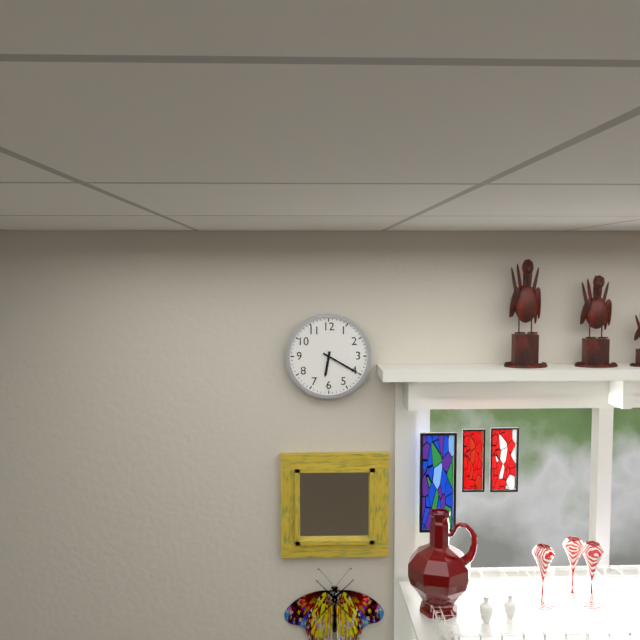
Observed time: 6h20
